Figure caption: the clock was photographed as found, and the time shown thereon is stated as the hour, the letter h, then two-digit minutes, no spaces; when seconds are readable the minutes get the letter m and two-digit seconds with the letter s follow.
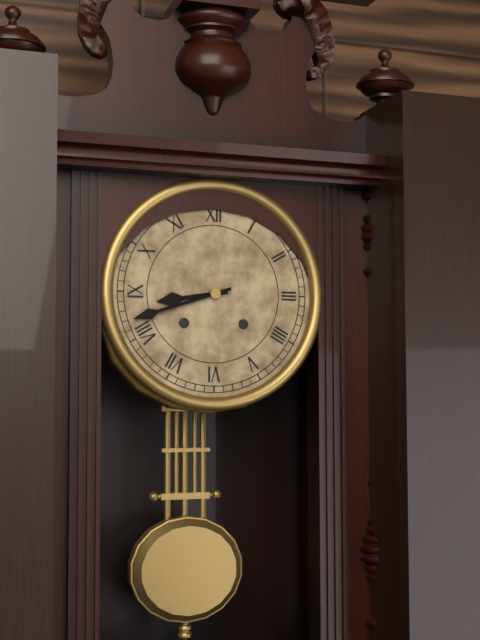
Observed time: 8h42
